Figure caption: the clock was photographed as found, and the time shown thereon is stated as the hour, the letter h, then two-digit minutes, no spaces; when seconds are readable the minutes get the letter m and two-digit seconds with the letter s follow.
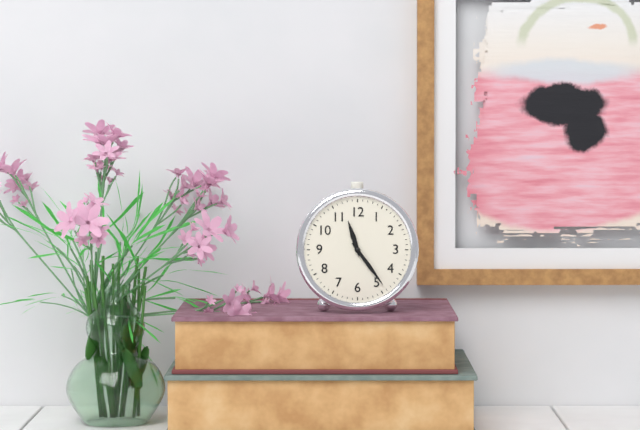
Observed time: 11h24
